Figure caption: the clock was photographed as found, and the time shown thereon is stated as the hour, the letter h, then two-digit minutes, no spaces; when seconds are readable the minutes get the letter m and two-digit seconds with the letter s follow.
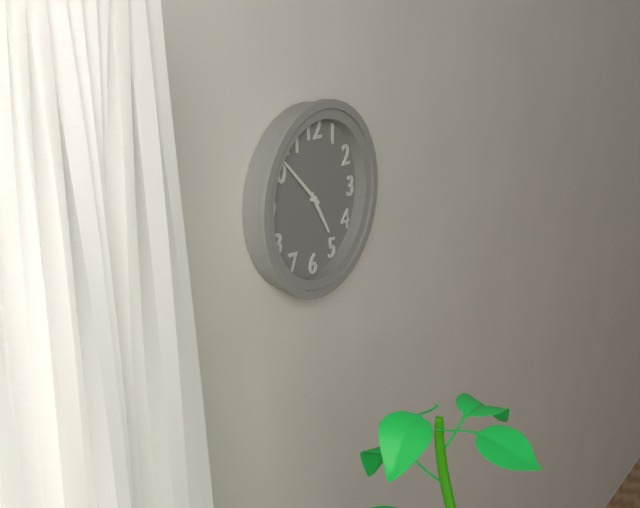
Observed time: 4h52
